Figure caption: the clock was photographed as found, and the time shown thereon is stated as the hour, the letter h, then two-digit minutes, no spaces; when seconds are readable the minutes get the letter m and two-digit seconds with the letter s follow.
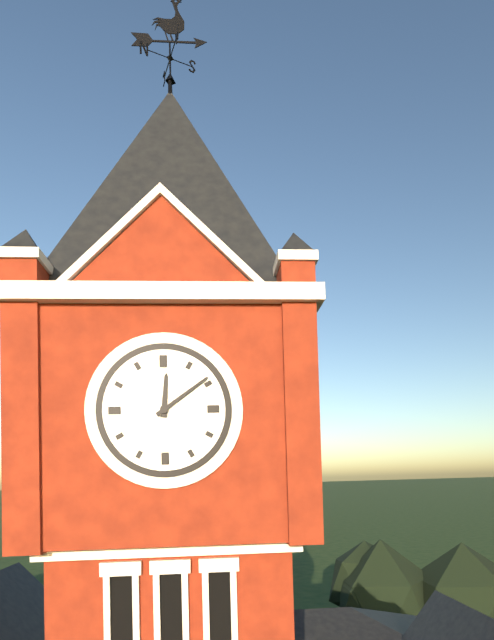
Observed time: 12h09
